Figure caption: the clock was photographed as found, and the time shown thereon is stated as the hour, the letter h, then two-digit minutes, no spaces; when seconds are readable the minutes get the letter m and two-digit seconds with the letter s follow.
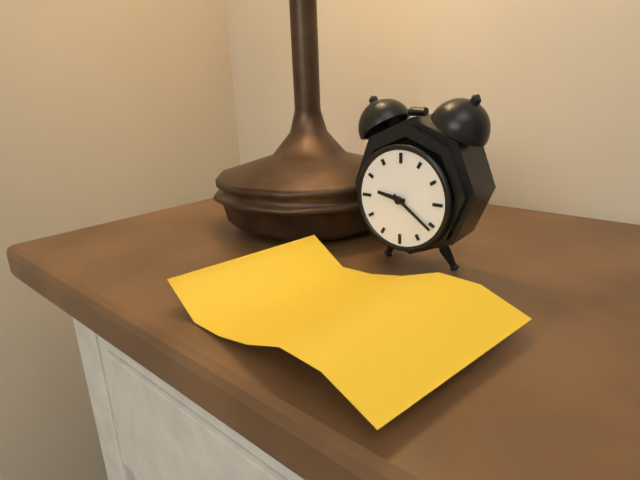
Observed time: 9h21
